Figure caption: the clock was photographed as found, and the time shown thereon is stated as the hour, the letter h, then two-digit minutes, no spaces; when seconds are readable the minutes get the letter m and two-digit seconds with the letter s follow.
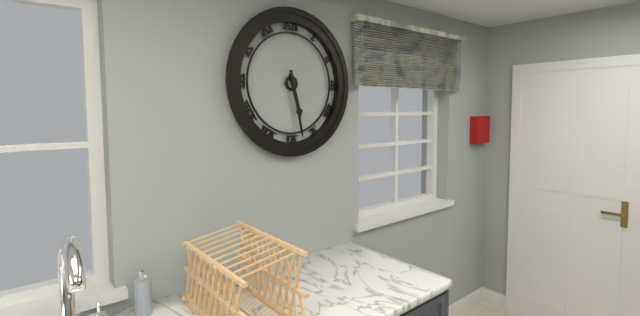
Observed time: 5h28
